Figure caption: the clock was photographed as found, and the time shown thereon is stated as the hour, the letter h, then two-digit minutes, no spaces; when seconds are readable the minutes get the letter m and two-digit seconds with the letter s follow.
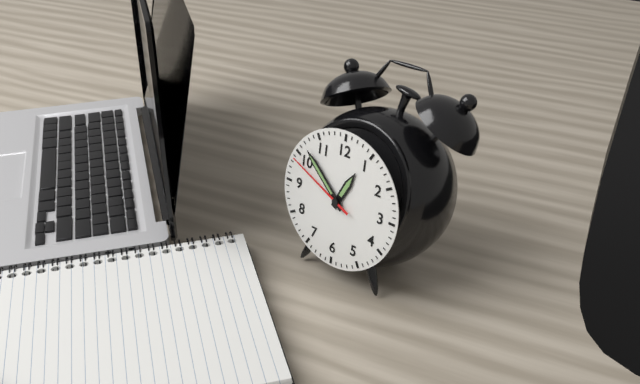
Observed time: 12h52m49s
